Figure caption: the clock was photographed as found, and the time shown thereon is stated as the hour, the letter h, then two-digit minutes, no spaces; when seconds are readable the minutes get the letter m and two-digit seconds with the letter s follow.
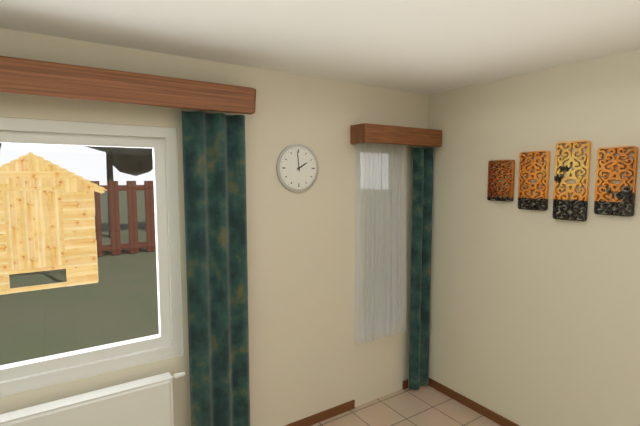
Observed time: 1h59
